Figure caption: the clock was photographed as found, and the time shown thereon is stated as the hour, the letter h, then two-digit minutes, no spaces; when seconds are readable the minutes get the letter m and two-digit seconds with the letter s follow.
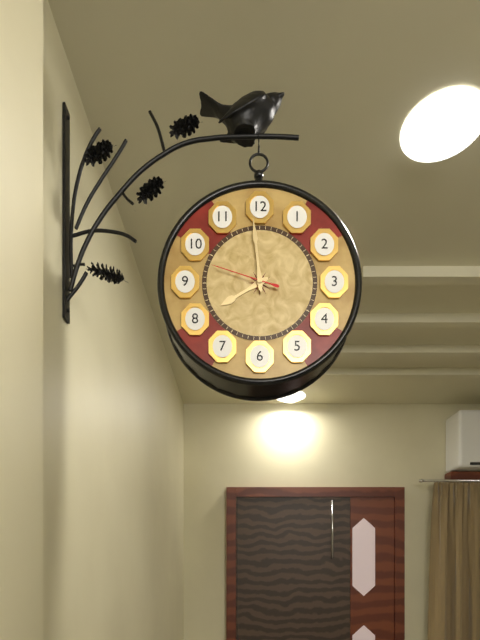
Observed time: 7h59m48s
